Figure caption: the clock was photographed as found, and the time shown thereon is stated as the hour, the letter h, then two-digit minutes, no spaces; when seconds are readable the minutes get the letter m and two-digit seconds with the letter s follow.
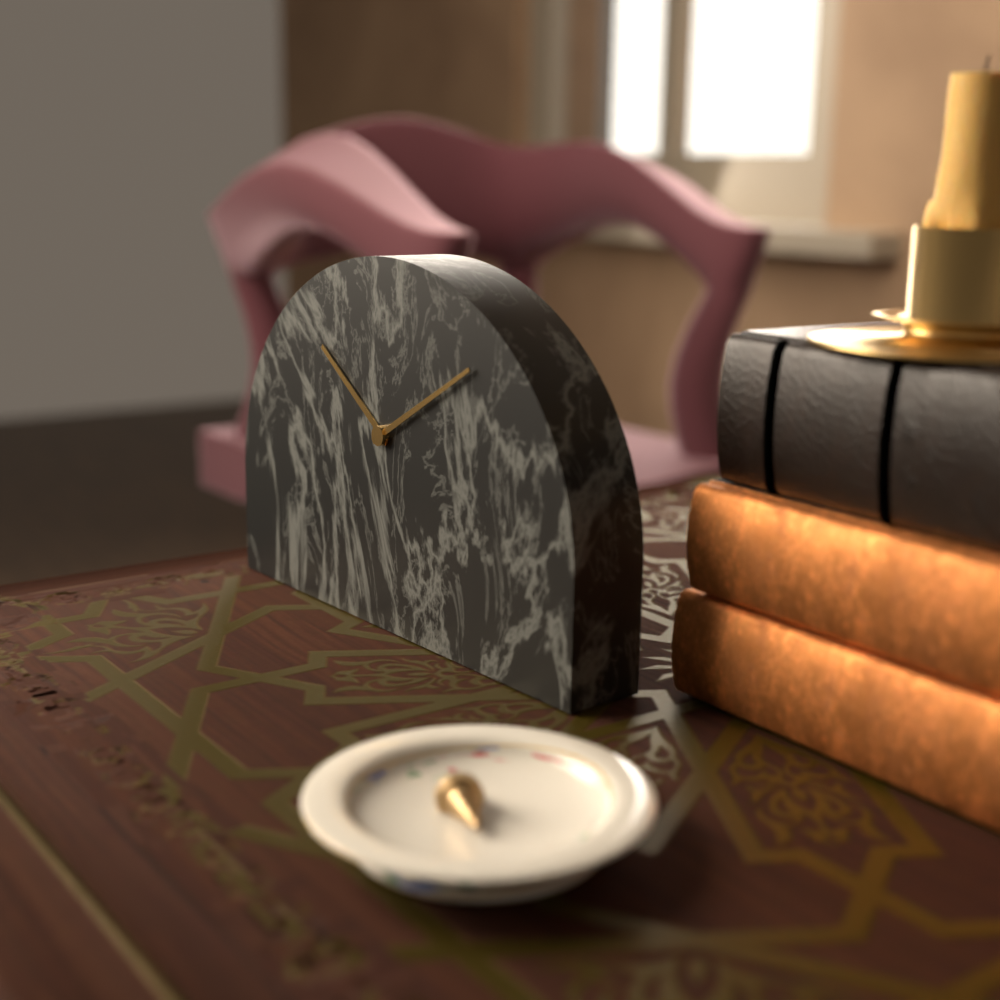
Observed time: 10h10
